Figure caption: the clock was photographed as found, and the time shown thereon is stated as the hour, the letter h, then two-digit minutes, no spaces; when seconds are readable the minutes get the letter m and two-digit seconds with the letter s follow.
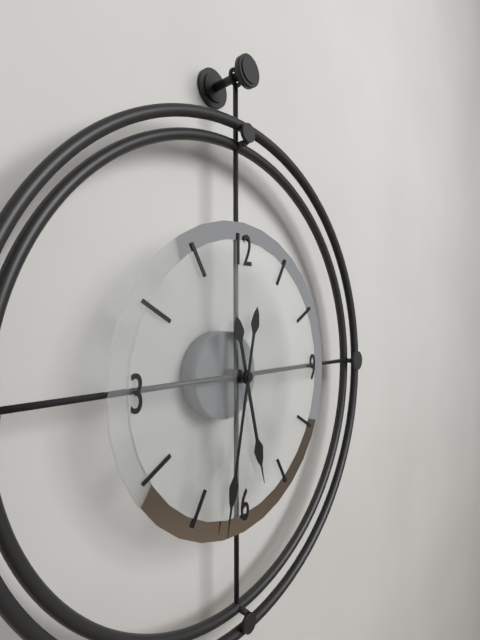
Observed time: 5h32
